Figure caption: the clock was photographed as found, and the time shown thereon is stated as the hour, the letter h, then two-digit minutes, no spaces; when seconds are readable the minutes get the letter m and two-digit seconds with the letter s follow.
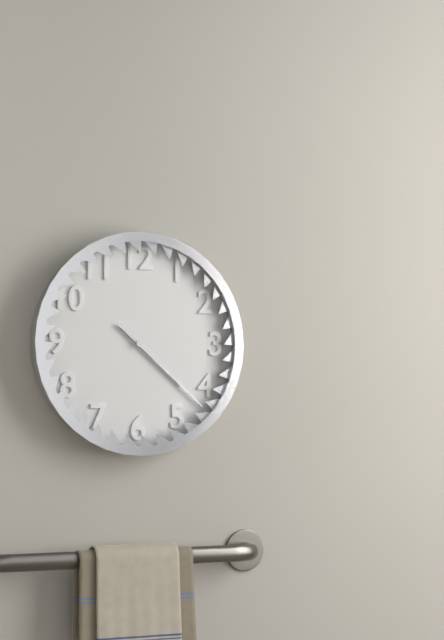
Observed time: 4h22
